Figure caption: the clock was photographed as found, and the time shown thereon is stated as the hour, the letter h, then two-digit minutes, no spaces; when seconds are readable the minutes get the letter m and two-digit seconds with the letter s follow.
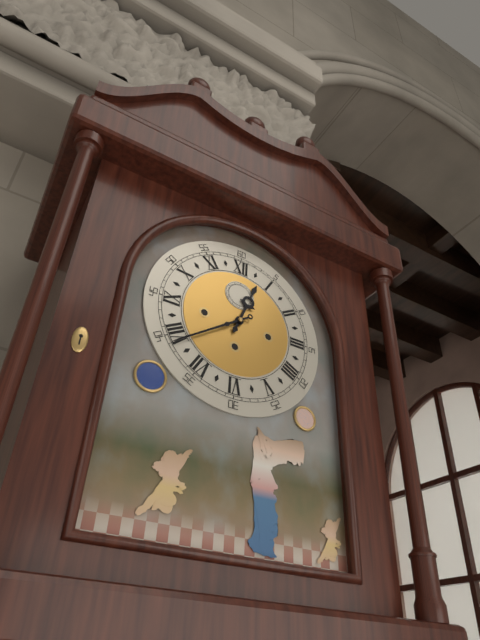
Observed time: 12h39
